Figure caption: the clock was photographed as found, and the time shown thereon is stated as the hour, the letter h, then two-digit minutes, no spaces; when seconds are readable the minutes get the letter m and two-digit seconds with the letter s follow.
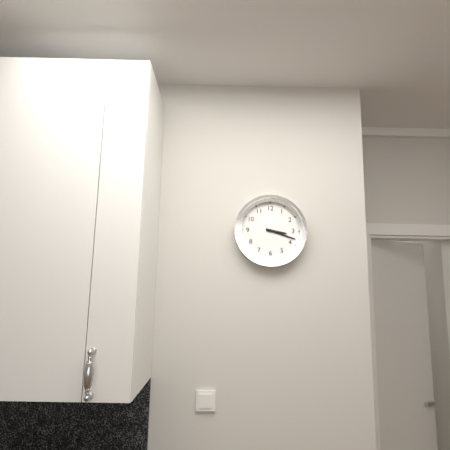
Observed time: 3h18
